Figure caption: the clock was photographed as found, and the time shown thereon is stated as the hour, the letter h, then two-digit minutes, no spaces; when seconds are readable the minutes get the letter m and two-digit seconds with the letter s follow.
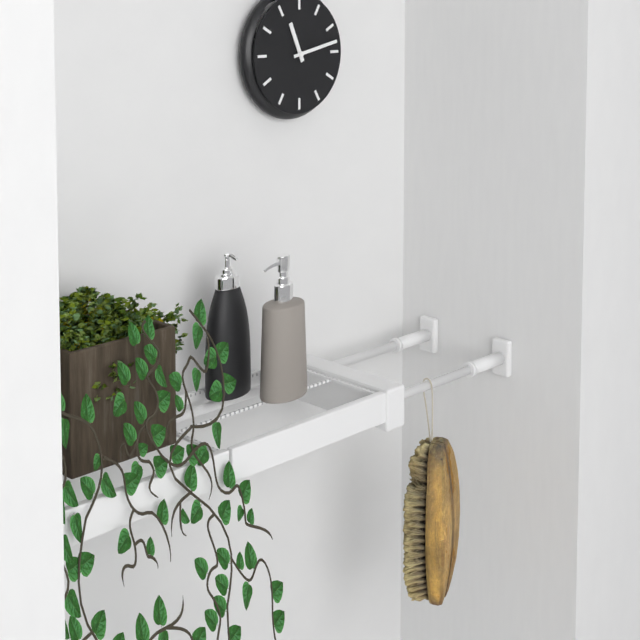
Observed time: 11h13
